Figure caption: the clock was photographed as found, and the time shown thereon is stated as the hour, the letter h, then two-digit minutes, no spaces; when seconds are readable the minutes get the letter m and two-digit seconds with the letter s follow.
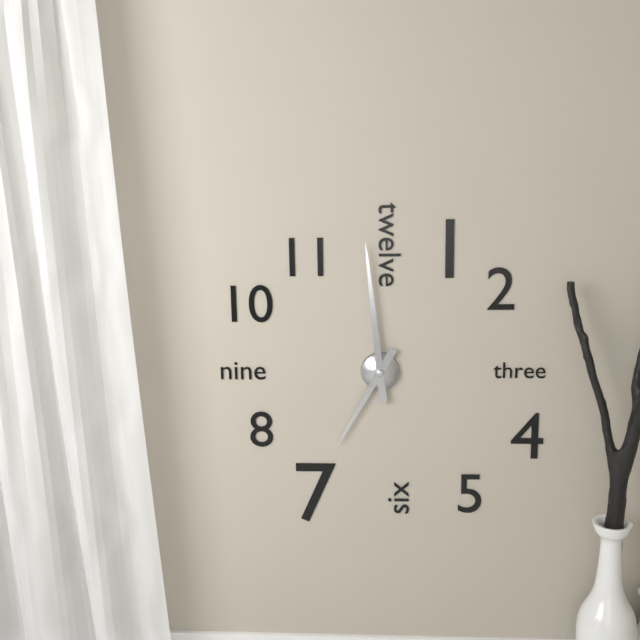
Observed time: 6h59
